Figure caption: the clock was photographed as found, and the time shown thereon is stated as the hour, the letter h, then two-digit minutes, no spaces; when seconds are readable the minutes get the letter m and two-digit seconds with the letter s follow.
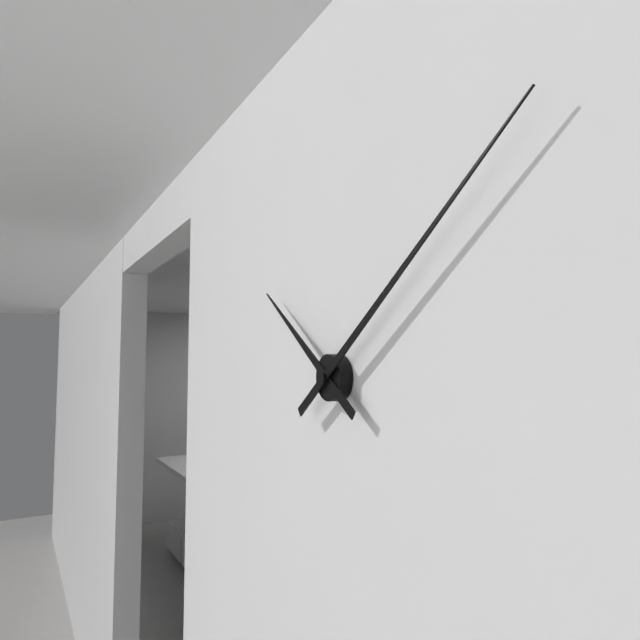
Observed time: 10h09
